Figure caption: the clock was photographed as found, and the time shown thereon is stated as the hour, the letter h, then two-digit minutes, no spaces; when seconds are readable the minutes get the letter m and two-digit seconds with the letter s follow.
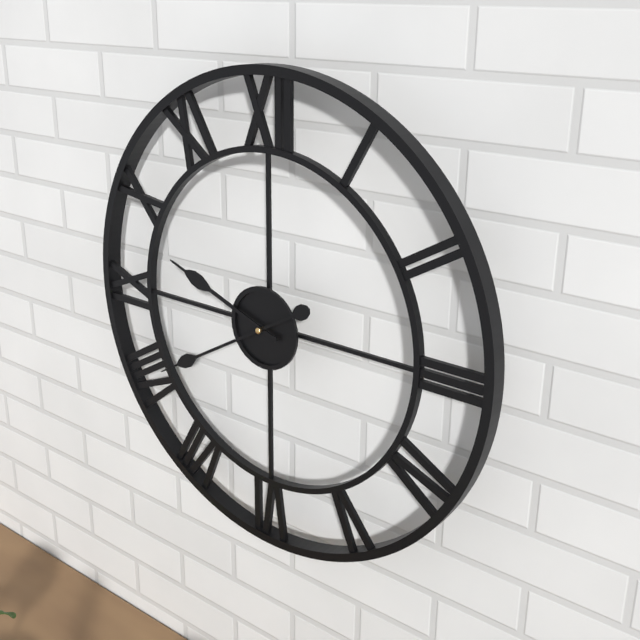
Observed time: 9h40
